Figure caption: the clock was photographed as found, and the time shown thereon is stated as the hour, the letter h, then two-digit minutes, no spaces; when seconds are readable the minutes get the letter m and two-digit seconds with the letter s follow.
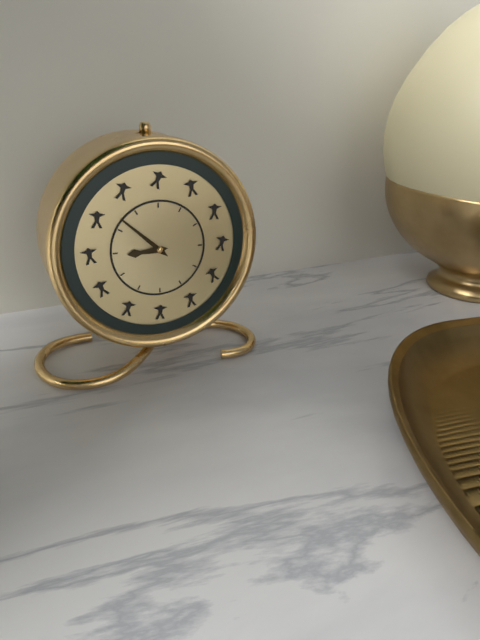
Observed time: 8h52
